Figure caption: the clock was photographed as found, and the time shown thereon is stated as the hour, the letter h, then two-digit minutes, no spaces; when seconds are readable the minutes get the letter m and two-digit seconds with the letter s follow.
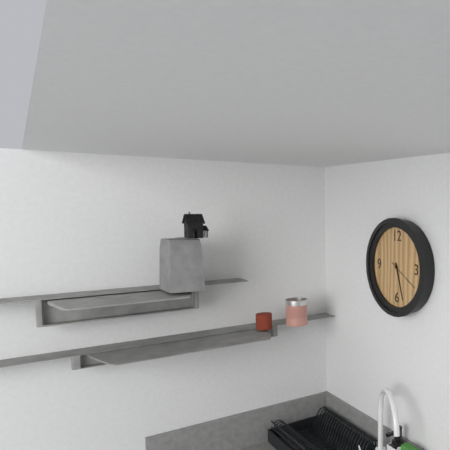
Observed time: 5h27
